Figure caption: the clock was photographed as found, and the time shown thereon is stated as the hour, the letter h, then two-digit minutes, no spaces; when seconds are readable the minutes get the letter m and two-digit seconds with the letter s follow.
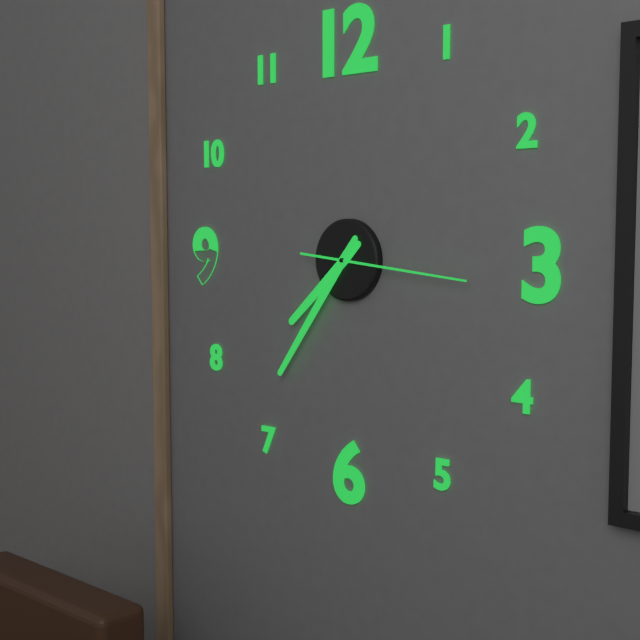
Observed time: 7h36m16s
